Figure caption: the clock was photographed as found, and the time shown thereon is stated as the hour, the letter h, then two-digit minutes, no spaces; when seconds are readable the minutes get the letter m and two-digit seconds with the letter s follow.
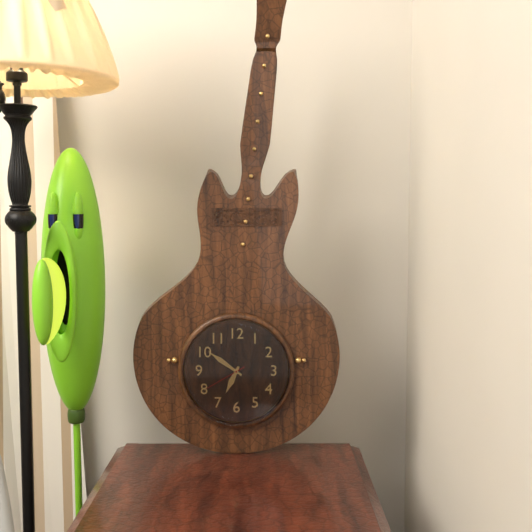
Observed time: 6h51
